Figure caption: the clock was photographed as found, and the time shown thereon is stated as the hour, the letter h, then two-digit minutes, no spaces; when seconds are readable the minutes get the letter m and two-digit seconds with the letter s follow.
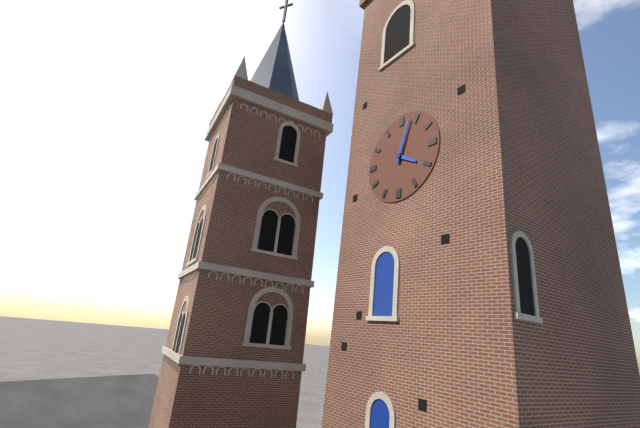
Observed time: 4h03
